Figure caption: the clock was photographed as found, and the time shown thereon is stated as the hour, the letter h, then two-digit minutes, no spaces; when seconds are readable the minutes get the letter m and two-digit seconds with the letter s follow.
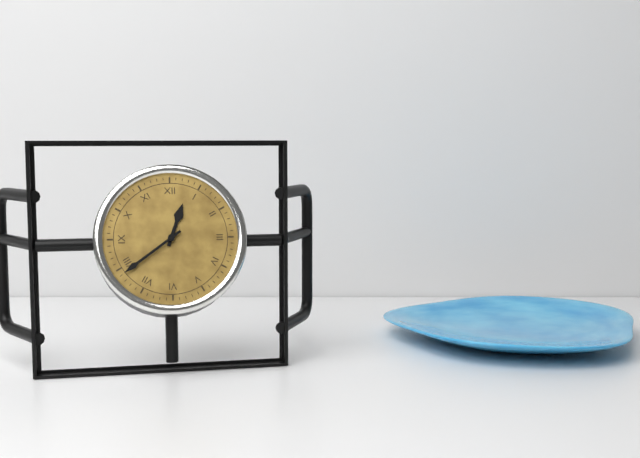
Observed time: 12h39
